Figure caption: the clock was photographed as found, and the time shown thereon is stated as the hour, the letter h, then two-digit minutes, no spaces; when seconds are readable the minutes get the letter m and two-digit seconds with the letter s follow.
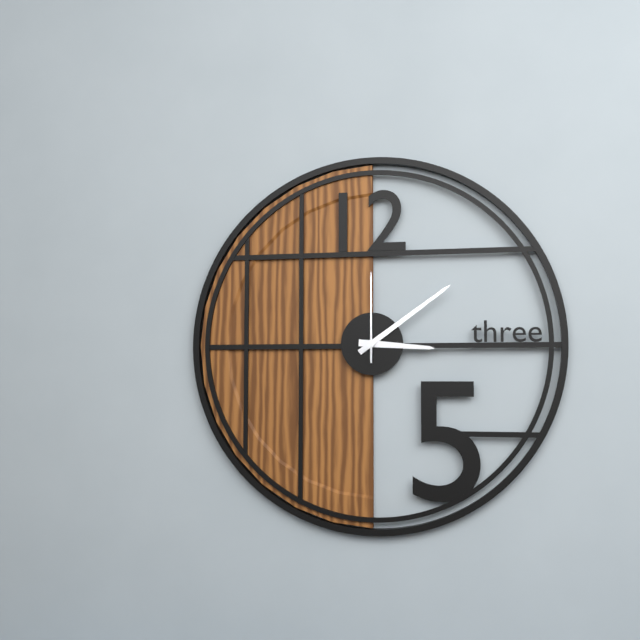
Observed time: 3h09m00s
